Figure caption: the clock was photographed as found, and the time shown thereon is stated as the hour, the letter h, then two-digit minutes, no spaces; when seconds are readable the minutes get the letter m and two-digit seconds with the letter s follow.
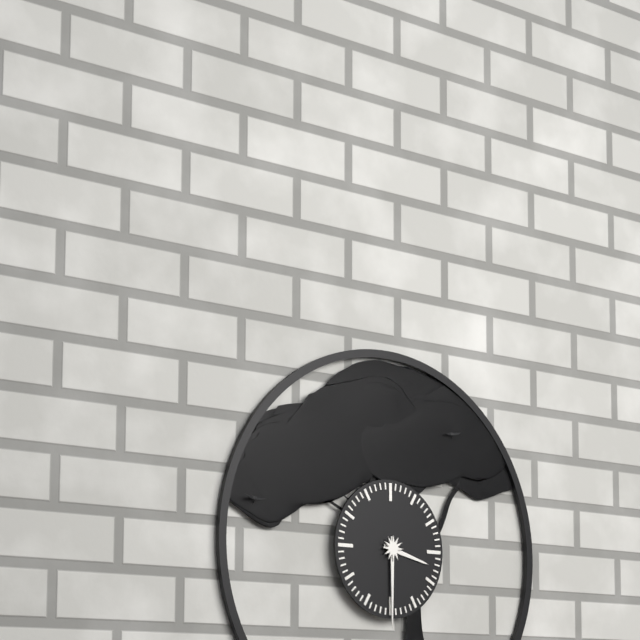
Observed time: 3h30
